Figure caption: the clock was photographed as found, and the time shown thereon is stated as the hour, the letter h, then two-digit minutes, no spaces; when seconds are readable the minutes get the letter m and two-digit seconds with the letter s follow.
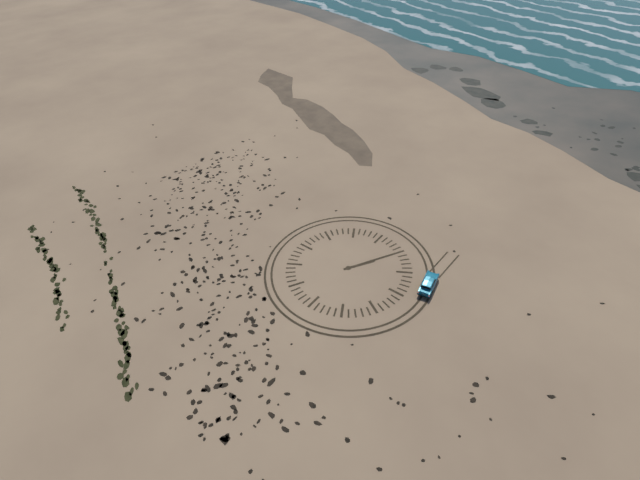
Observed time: 1h05
